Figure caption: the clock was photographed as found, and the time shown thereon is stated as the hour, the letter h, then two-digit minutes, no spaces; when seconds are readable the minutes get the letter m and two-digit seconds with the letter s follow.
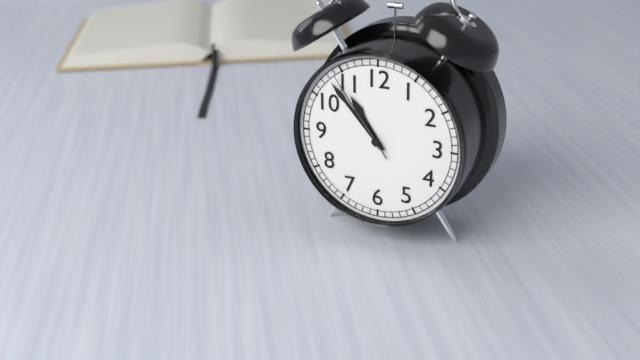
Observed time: 10h53m54s
